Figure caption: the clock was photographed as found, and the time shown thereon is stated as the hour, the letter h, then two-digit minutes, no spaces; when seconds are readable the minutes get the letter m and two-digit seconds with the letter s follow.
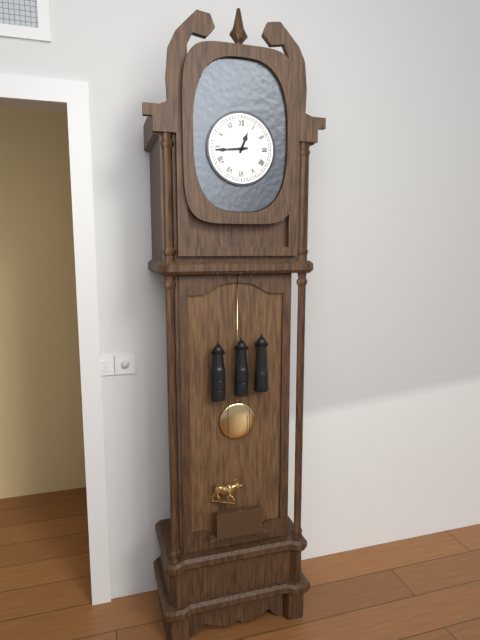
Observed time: 12h44
